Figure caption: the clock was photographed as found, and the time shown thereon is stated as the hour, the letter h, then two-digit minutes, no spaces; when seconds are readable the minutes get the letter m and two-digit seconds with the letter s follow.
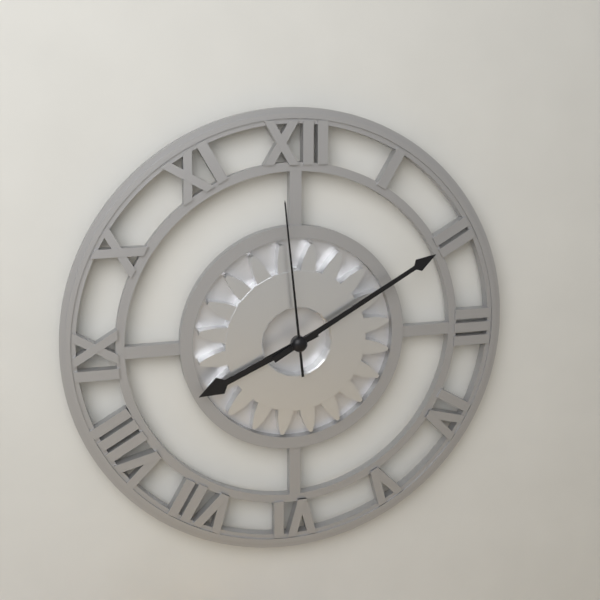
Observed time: 8h10m59s
